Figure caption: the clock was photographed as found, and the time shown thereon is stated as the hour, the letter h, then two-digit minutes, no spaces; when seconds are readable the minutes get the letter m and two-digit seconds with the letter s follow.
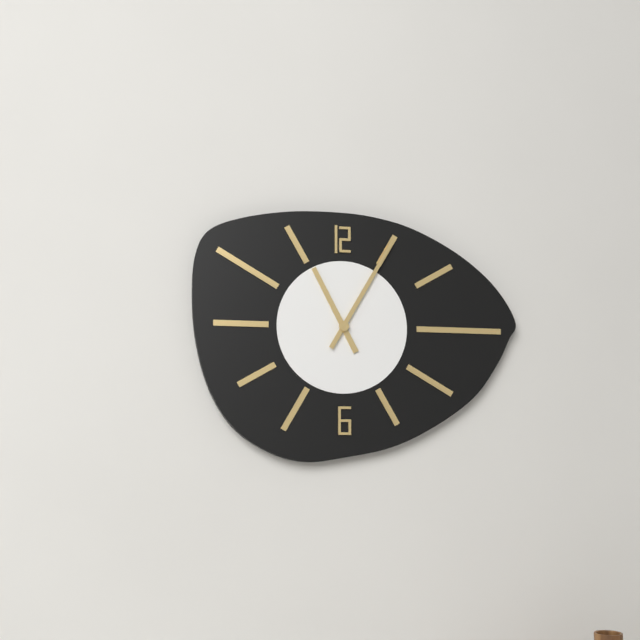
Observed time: 11h05
